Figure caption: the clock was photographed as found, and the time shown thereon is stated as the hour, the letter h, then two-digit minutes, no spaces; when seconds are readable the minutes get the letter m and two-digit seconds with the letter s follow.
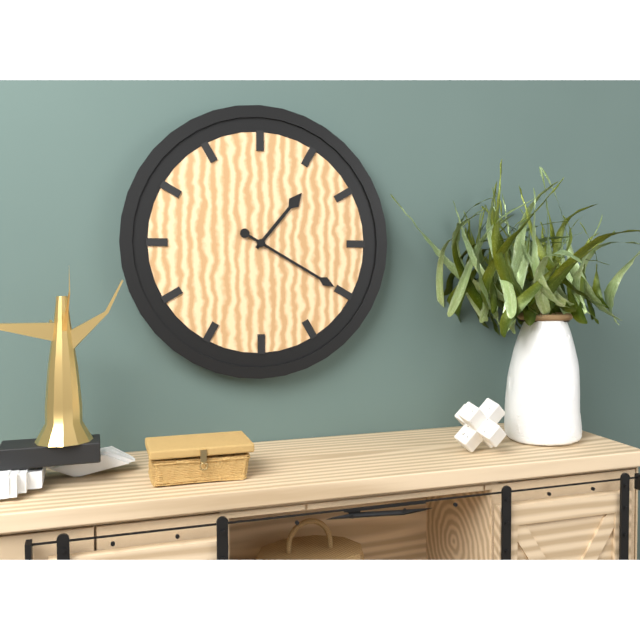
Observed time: 1h20
